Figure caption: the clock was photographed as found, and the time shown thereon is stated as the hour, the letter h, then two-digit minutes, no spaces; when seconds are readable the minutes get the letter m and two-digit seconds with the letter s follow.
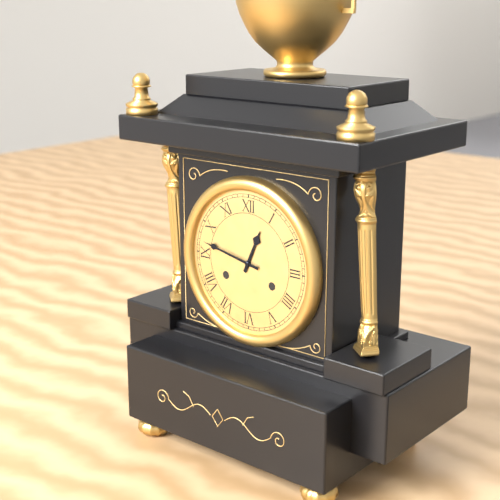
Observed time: 12h47
